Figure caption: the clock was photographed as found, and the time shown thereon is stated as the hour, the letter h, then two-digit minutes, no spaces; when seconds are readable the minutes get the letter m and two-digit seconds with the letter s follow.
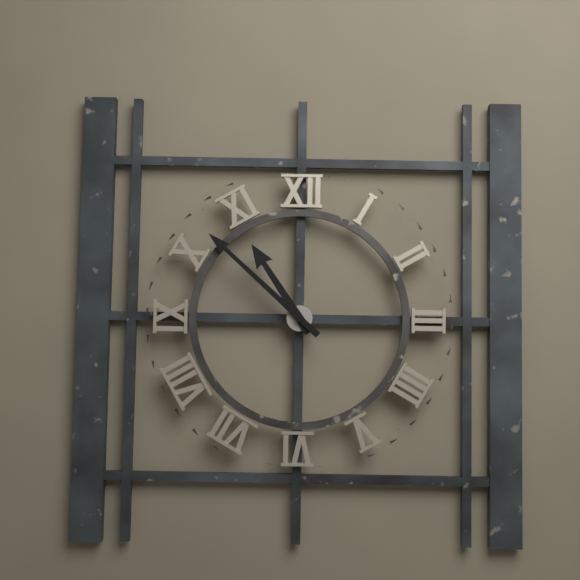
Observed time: 10h52
